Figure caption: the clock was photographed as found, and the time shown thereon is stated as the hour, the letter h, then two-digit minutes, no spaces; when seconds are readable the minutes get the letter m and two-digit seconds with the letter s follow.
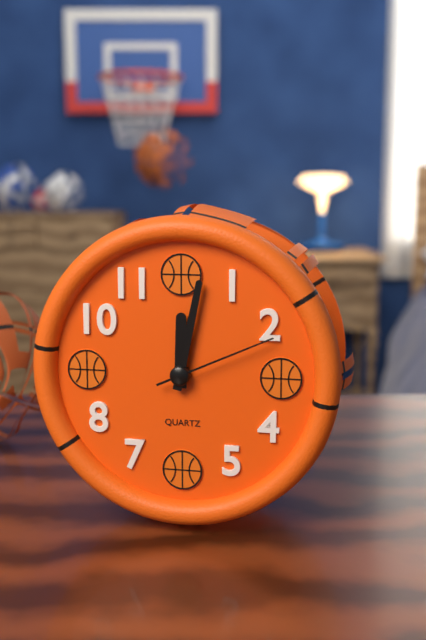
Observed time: 12h02m11s
